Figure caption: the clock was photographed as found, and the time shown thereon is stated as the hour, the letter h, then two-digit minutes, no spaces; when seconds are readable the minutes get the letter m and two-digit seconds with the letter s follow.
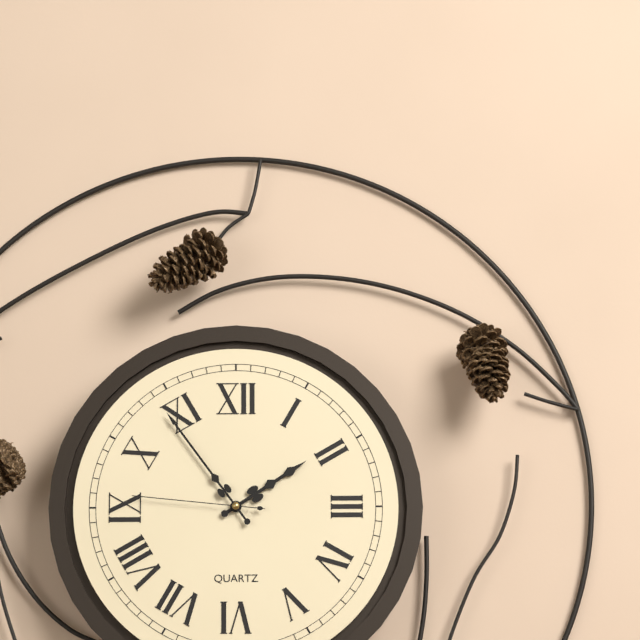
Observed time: 1h54m46s
